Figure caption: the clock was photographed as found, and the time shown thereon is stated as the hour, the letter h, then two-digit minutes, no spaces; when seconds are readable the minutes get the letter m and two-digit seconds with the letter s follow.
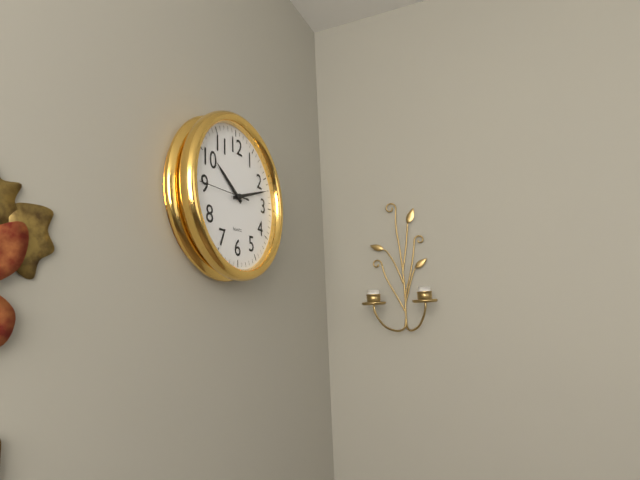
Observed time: 10h12m45s
